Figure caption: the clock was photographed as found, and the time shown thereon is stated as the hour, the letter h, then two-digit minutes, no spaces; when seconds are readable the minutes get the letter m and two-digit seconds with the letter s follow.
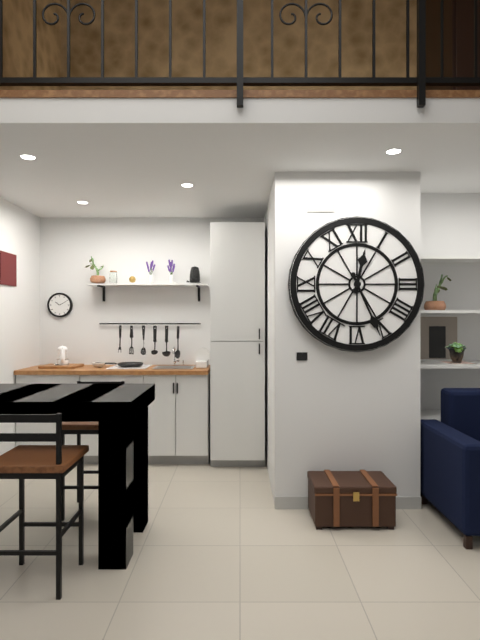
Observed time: 12h26
